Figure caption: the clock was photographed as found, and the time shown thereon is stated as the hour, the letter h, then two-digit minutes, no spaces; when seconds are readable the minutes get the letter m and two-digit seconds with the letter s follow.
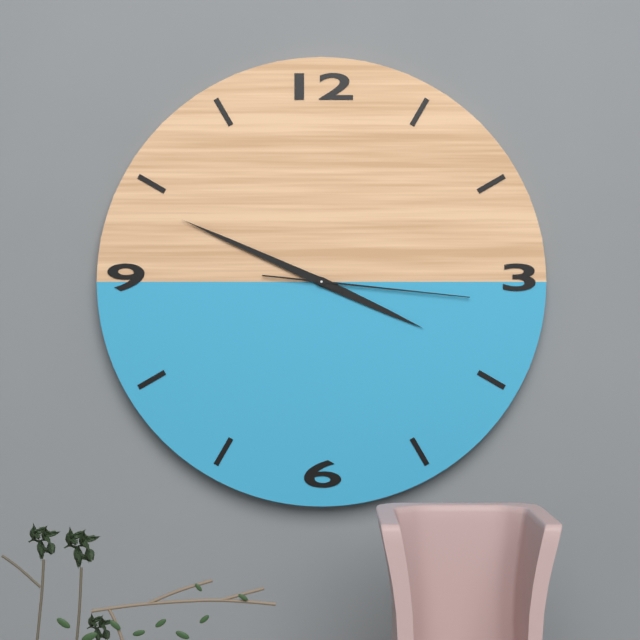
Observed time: 3h49m16s
